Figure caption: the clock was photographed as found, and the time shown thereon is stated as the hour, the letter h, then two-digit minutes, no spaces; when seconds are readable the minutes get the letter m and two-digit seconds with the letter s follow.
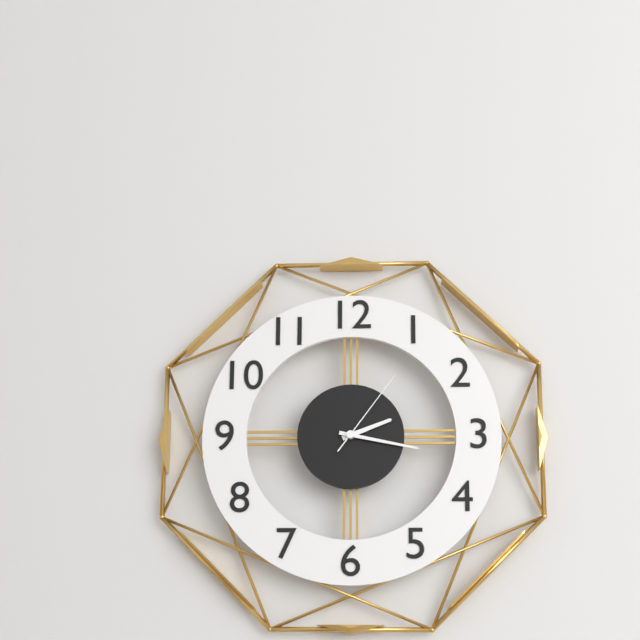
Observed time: 2h17m06s
